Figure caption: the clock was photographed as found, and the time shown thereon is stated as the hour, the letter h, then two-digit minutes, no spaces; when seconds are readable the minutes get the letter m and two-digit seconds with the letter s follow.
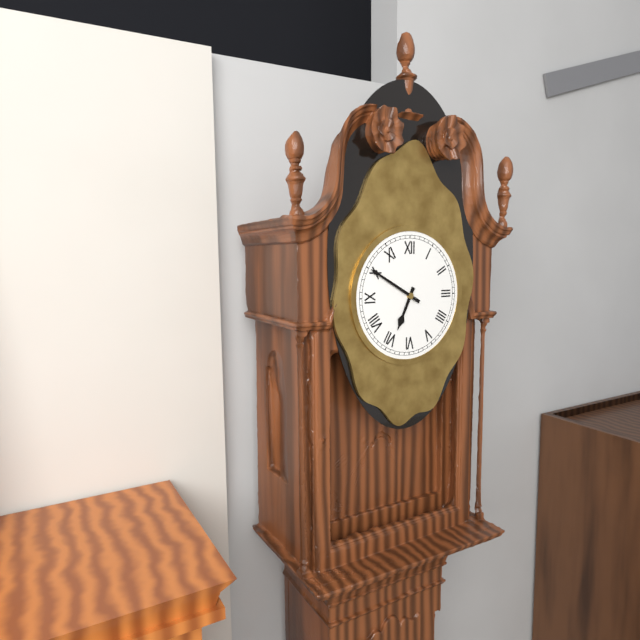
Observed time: 6h50
